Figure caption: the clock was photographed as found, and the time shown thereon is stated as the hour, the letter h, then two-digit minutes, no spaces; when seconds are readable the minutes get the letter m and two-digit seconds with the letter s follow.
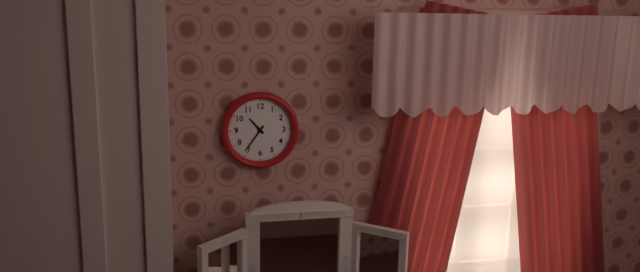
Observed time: 10h36
